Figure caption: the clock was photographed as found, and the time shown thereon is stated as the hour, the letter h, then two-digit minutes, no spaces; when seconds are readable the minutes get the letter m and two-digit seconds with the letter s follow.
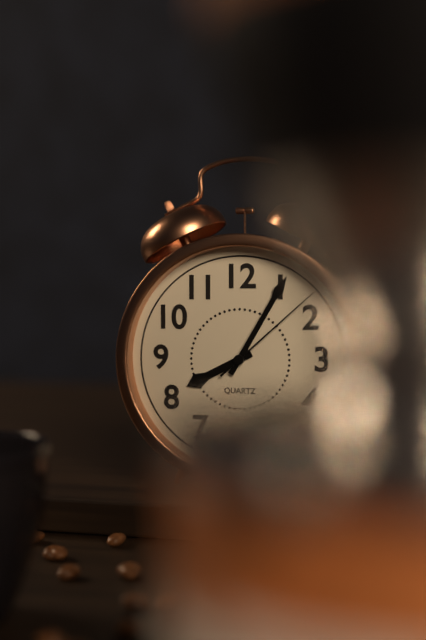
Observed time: 8h05m08s
